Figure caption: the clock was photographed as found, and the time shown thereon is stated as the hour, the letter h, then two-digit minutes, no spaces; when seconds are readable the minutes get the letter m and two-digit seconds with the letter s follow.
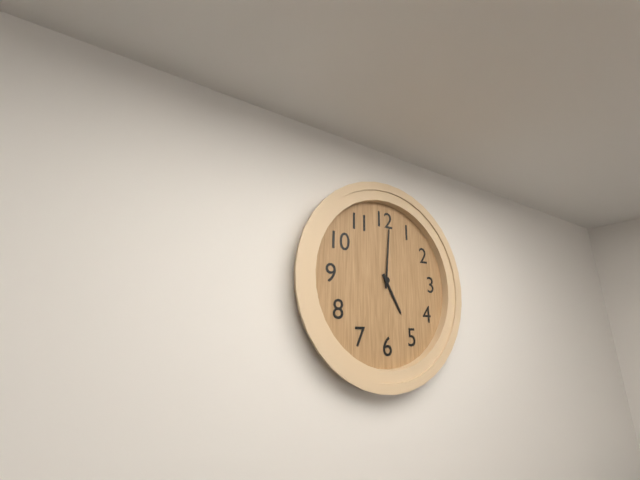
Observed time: 5h01
